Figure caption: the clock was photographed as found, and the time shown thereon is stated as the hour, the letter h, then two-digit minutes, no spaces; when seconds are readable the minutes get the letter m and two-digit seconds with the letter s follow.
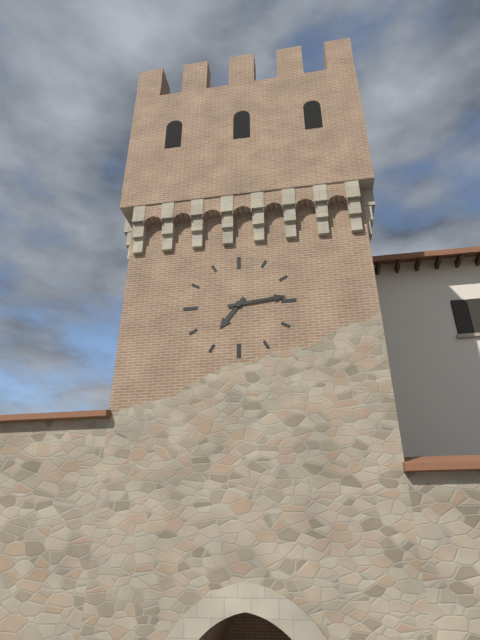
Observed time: 7h14
